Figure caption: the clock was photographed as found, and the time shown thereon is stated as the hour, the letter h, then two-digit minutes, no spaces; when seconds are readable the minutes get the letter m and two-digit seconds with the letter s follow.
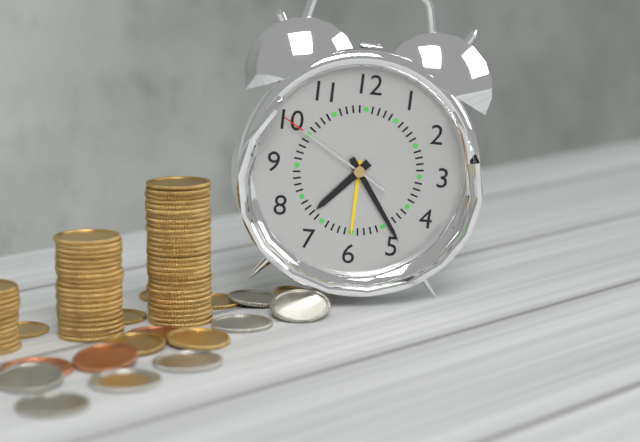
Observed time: 7h24m50s
